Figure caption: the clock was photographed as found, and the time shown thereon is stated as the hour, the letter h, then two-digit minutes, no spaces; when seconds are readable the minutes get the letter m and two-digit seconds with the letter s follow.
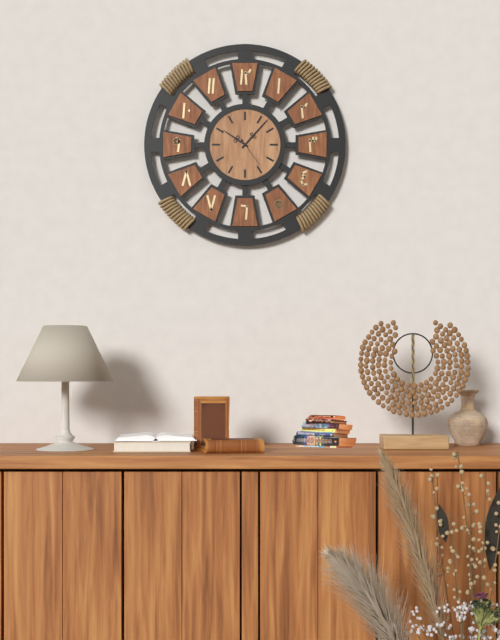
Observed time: 10h07
